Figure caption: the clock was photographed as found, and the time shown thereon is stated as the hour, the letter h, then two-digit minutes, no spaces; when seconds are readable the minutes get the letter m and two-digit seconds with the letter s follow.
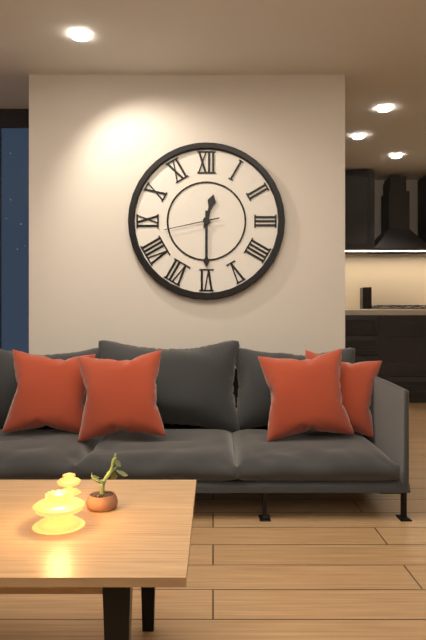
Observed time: 12h30m43s
